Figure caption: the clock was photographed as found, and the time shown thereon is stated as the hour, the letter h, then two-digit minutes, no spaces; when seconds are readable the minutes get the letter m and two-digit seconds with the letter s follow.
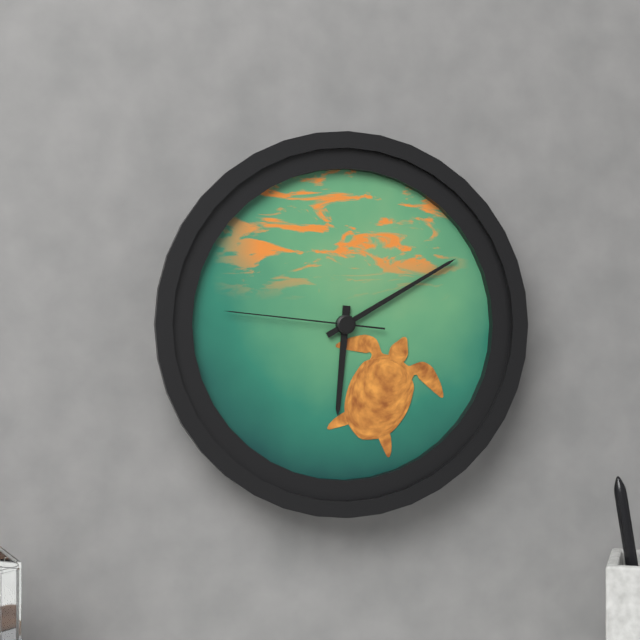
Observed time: 6h10m46s
